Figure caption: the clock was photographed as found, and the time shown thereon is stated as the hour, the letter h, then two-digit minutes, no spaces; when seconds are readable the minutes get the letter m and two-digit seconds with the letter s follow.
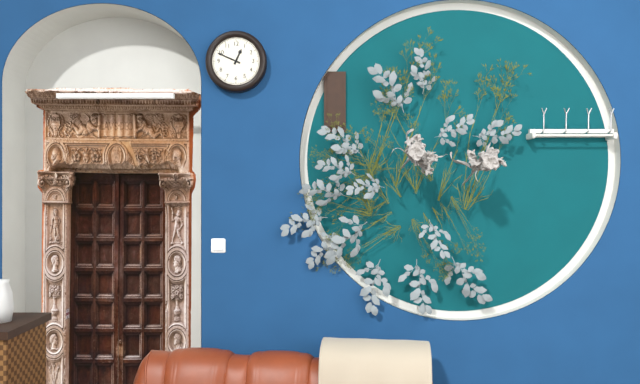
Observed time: 12h49
